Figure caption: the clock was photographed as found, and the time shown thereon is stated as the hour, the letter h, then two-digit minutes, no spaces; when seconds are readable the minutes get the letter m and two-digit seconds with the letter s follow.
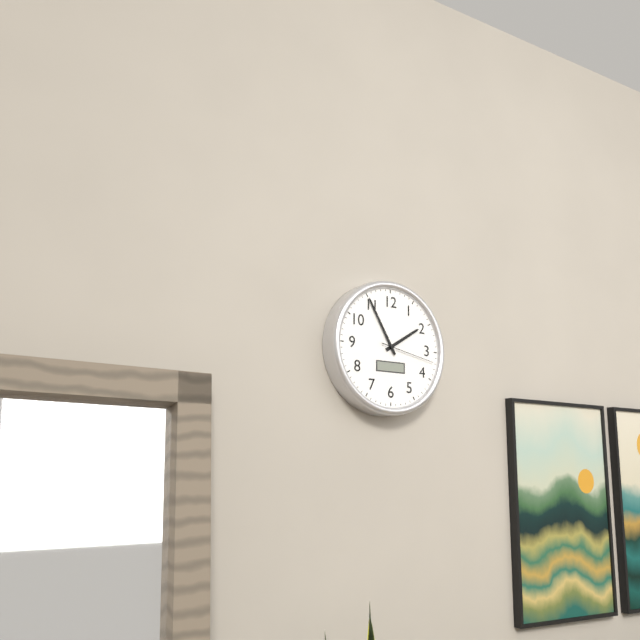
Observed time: 1h55m17s
